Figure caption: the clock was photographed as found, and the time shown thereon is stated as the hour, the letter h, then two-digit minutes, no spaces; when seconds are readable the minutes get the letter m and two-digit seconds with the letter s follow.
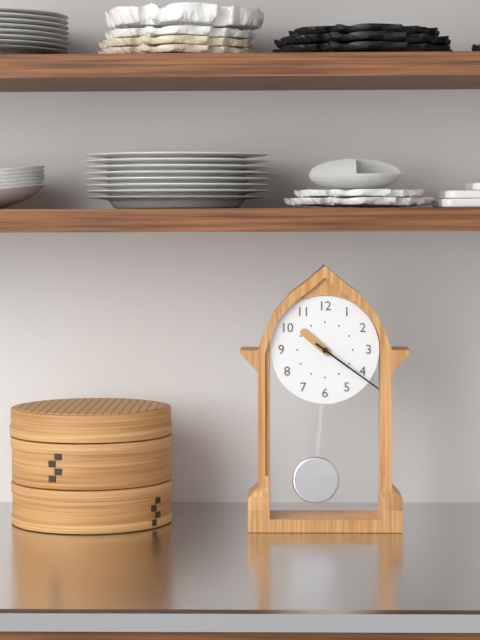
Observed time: 10h21
